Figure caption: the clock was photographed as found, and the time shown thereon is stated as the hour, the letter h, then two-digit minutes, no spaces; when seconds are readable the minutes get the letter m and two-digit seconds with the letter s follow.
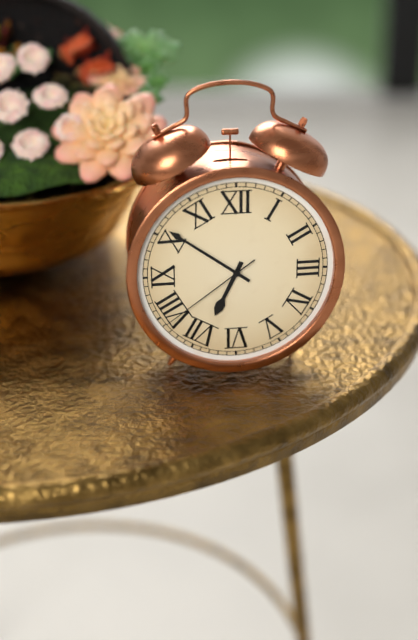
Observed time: 6h51m39s
